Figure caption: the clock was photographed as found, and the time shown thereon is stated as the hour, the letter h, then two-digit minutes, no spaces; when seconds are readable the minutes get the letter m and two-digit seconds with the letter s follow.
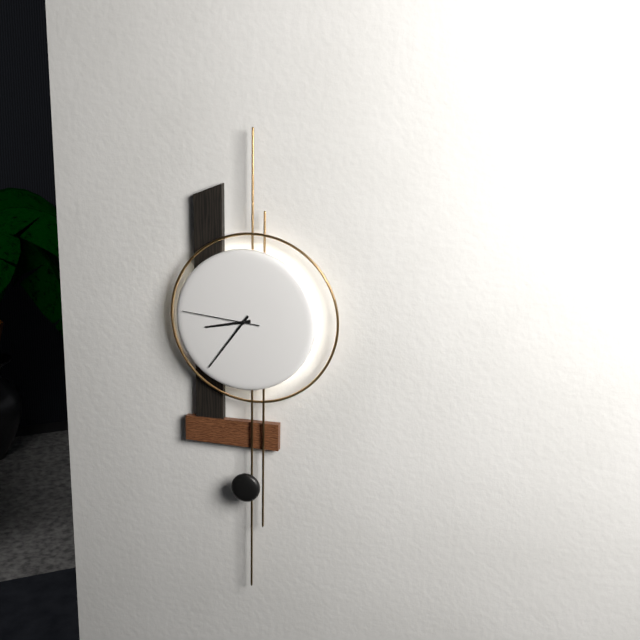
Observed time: 8h36m46s
